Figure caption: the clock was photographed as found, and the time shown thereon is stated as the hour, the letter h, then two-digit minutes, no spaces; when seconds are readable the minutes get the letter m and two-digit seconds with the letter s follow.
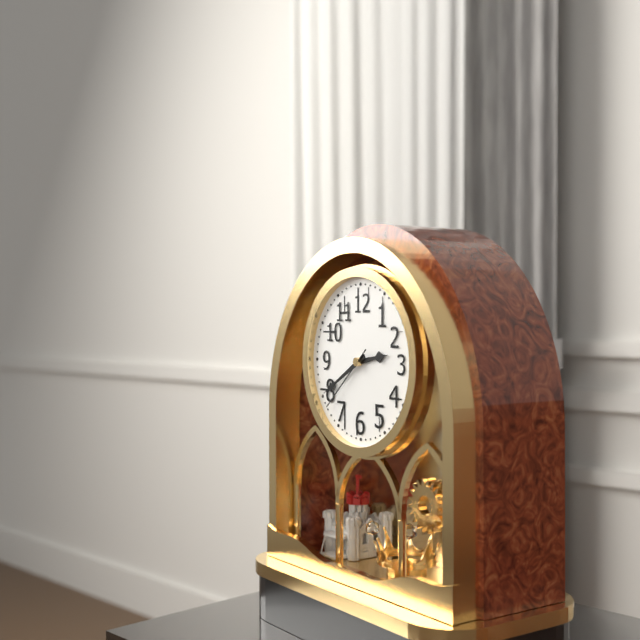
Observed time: 2h40m38s
